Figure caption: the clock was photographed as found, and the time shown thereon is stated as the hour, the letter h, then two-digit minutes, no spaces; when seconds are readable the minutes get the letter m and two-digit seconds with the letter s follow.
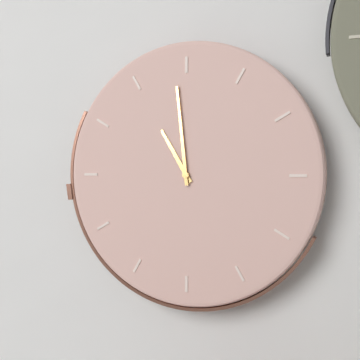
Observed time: 10h59
